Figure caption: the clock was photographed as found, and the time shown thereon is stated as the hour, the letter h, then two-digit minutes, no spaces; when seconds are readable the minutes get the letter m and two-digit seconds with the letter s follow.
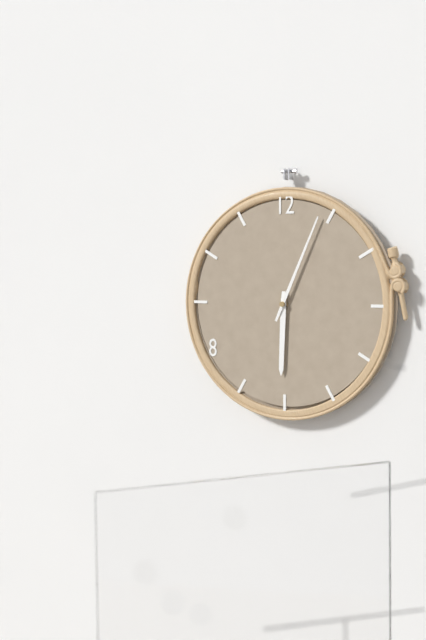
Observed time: 6h04
